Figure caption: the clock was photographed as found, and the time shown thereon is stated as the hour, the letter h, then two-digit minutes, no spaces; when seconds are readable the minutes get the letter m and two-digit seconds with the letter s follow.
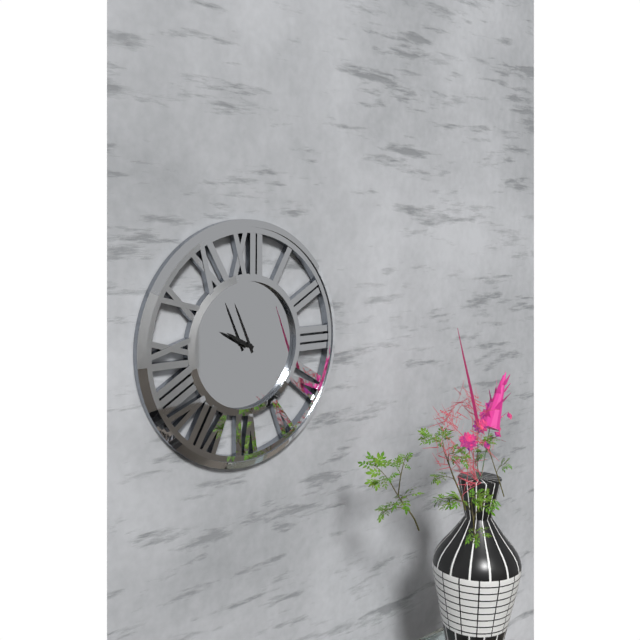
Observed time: 9h56
